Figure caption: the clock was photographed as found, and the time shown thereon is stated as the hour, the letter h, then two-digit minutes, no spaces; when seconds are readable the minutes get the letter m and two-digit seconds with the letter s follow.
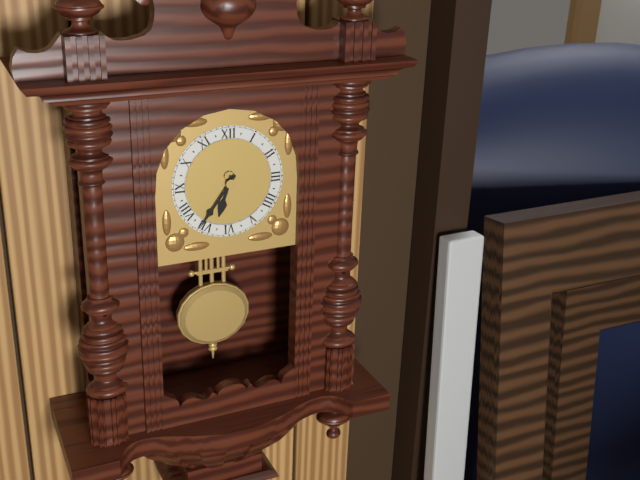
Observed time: 6h36
